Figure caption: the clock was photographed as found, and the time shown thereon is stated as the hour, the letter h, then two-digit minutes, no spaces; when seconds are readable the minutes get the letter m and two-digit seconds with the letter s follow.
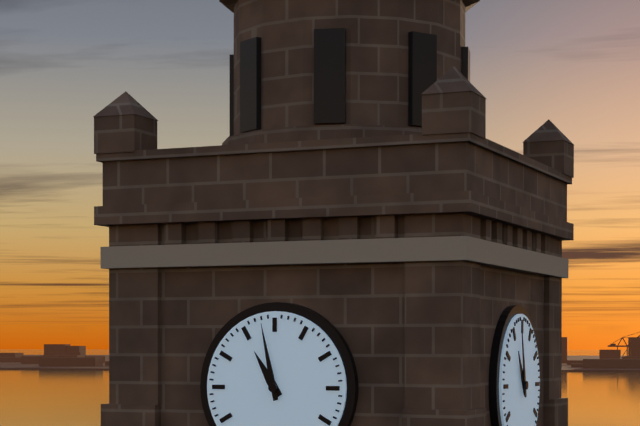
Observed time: 10h58
